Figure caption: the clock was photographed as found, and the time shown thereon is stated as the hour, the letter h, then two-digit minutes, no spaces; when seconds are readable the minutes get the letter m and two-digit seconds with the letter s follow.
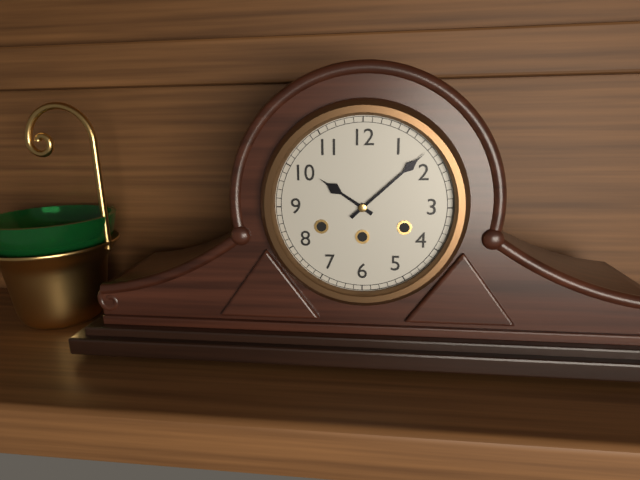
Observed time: 10h08
